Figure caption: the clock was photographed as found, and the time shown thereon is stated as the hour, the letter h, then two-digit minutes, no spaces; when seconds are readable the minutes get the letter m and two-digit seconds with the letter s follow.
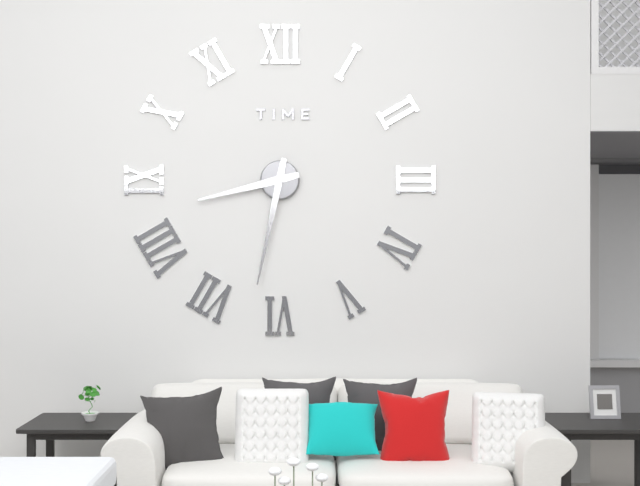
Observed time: 8h32
